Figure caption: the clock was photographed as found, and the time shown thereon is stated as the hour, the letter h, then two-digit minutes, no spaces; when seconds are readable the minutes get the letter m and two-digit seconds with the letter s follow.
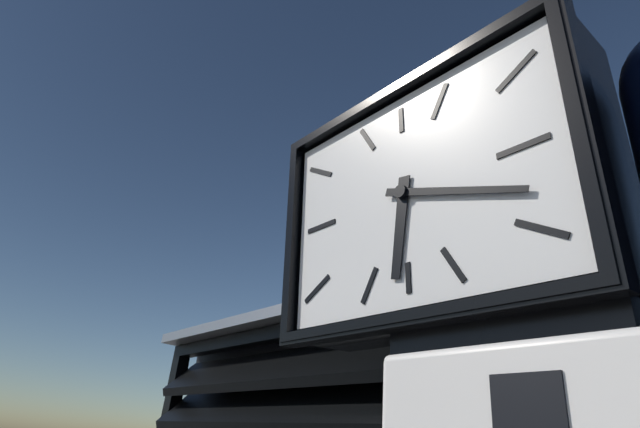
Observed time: 6h18
